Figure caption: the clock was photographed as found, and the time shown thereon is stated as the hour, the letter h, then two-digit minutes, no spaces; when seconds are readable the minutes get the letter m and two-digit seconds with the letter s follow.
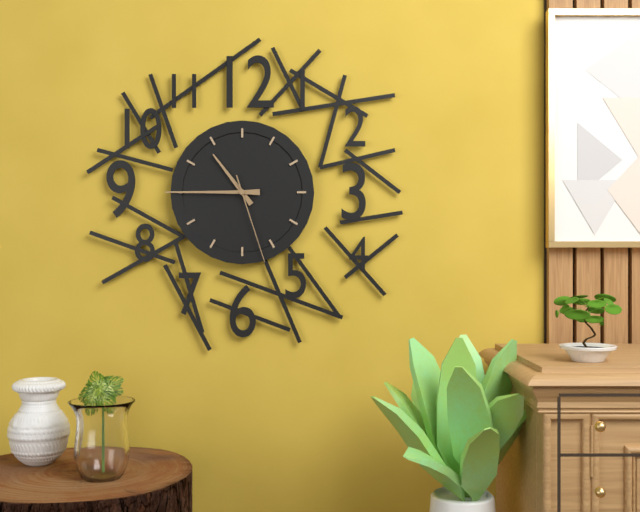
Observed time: 10h45m27s
